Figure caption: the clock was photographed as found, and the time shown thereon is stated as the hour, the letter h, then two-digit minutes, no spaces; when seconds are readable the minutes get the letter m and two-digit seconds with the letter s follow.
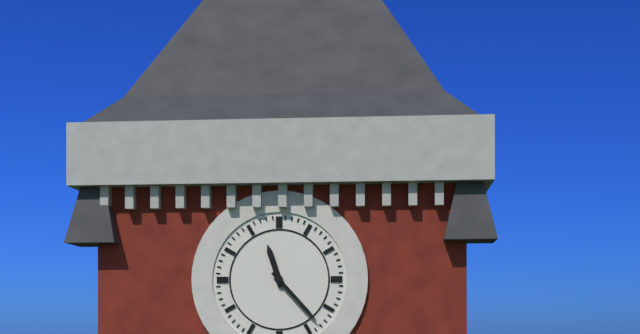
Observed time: 11h23
